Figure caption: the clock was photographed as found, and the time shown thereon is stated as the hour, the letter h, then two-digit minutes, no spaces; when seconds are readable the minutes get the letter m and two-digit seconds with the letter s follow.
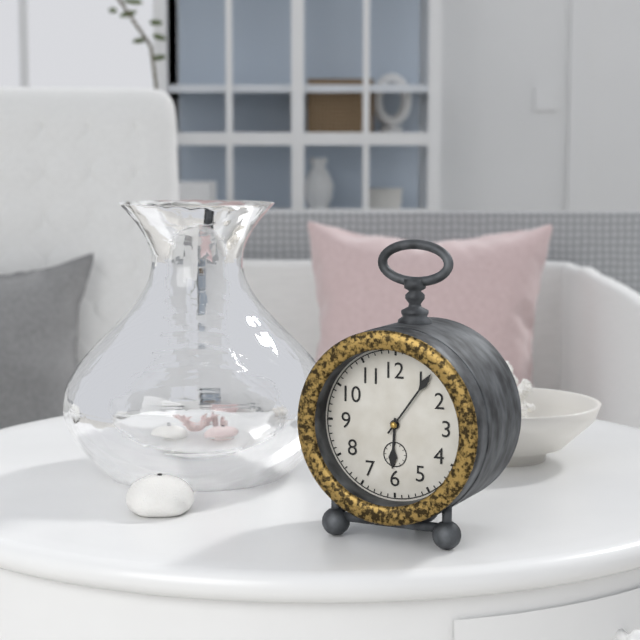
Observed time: 6h06
